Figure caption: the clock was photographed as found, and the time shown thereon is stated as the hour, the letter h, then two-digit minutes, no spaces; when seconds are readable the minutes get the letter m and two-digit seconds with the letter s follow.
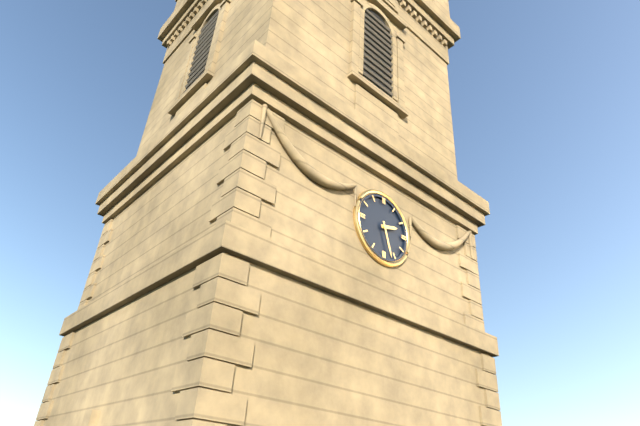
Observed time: 2h27
